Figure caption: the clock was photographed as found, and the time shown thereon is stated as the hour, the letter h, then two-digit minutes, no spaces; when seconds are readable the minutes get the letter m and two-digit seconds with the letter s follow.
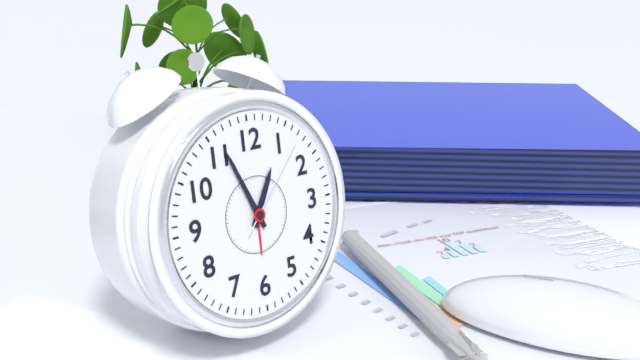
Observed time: 12h56m07s
